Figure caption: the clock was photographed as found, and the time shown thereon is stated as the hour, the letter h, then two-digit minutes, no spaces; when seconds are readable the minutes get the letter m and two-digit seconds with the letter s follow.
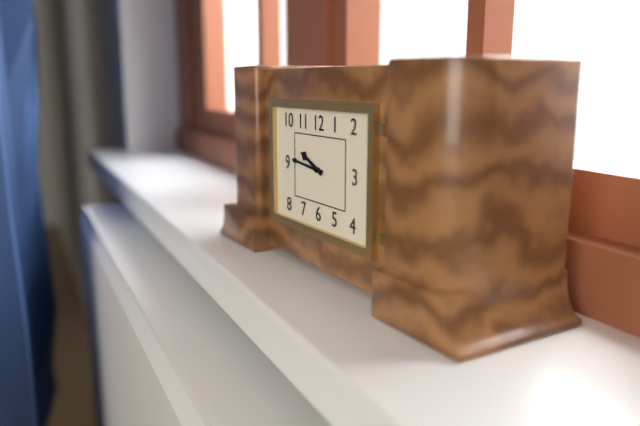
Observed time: 9h46
